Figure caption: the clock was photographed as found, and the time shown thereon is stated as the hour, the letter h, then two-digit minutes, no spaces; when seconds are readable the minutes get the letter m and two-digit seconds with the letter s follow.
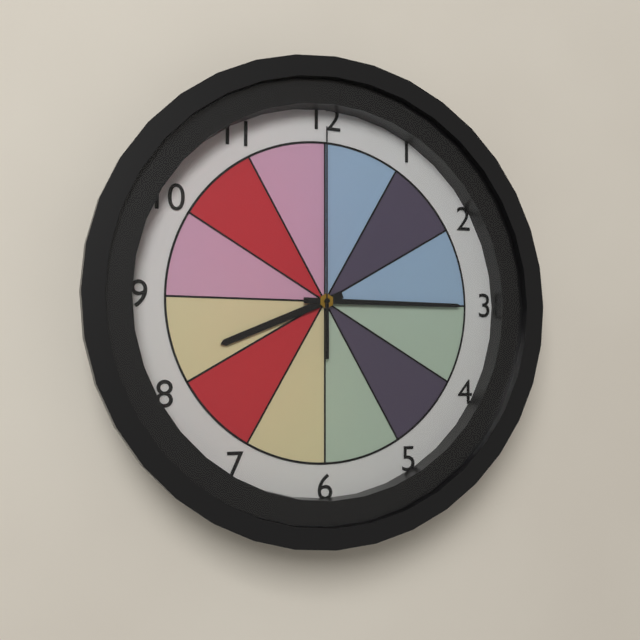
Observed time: 8h15m00s
